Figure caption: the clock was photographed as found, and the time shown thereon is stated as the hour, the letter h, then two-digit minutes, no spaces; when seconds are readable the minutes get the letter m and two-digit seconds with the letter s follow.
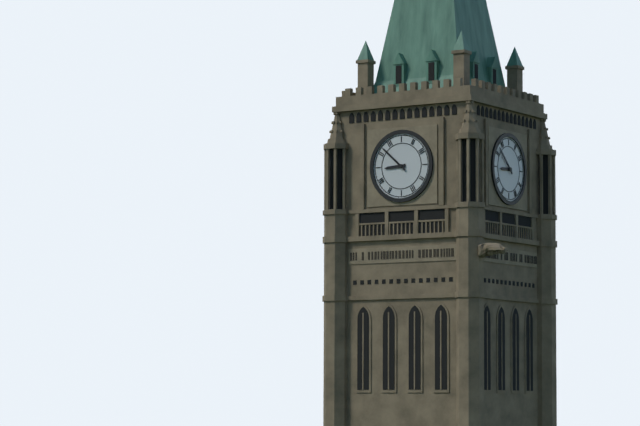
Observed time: 8h52
